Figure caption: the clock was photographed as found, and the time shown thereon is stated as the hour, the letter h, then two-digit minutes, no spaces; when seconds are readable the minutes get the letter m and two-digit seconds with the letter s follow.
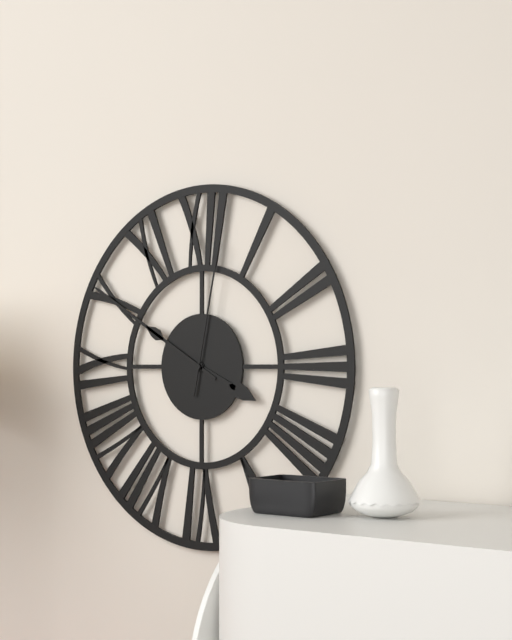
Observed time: 3h50m02s
